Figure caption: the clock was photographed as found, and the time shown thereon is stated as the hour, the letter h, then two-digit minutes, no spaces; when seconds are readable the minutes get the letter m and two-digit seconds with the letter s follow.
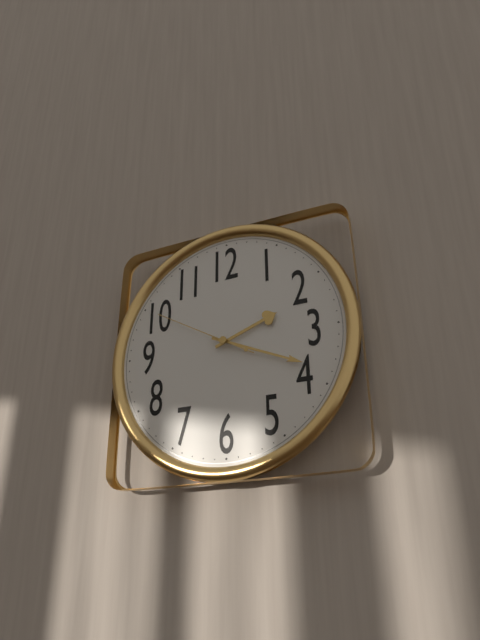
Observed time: 2h19m50s
